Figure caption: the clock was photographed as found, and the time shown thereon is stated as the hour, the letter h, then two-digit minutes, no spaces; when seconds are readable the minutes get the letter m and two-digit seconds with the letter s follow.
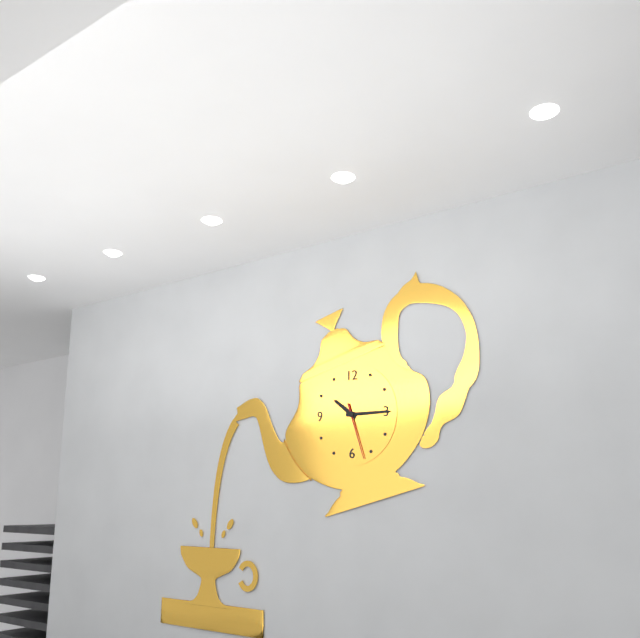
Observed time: 10h15m27s
